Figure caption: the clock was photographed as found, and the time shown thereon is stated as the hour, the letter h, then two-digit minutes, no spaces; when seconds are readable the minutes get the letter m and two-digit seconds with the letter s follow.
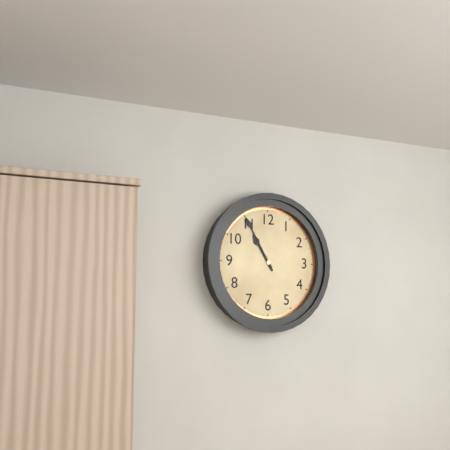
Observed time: 10h55
